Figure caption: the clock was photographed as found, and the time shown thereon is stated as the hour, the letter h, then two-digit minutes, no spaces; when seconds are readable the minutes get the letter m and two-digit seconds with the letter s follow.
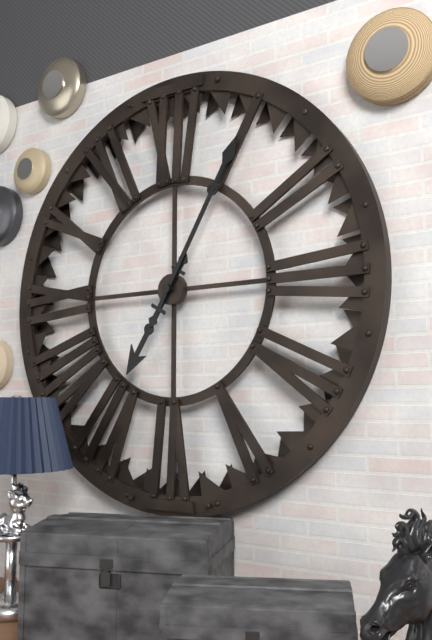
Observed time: 7h05
